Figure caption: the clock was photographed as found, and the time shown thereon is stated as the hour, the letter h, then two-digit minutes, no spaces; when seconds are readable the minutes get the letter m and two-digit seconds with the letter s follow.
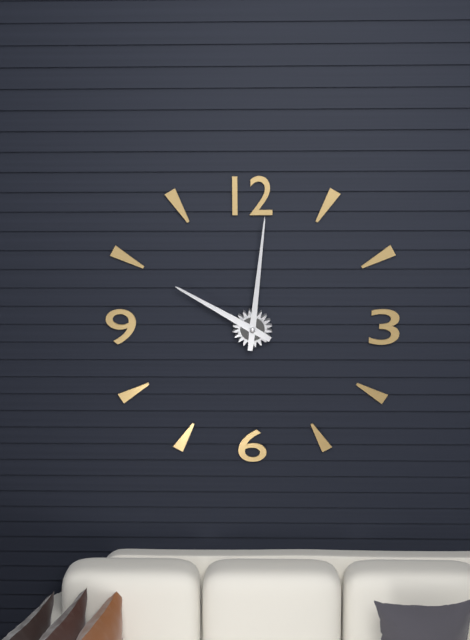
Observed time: 10h01
